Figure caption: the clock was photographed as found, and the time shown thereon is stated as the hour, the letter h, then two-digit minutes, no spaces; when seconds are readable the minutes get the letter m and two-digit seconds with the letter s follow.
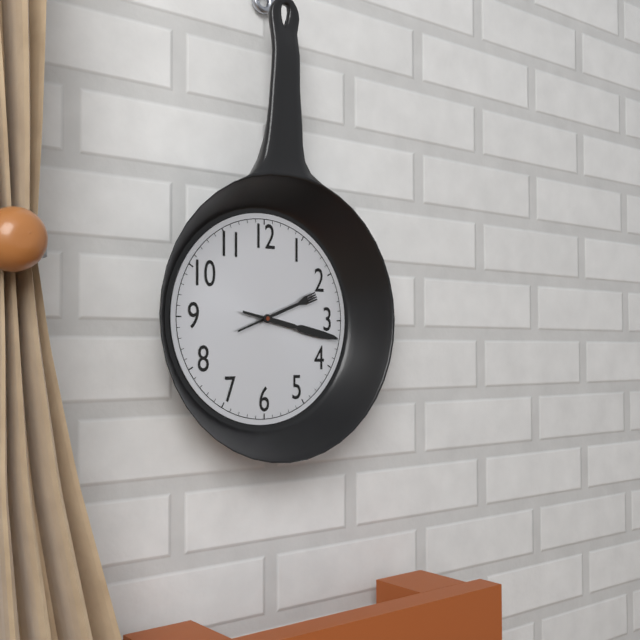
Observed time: 2h17
